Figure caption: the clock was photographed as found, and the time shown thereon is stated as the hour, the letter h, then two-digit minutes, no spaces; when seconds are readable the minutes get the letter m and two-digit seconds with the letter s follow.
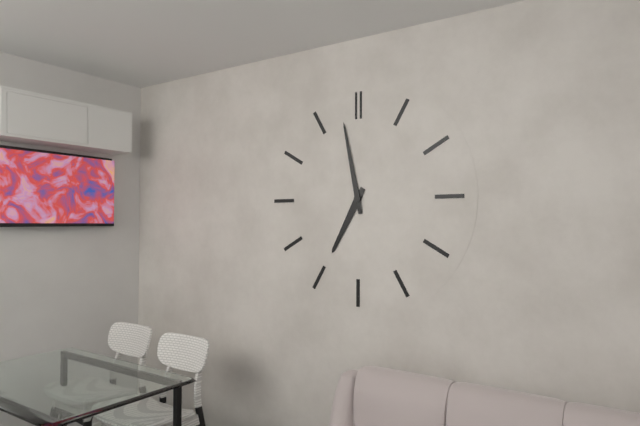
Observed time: 6h58
